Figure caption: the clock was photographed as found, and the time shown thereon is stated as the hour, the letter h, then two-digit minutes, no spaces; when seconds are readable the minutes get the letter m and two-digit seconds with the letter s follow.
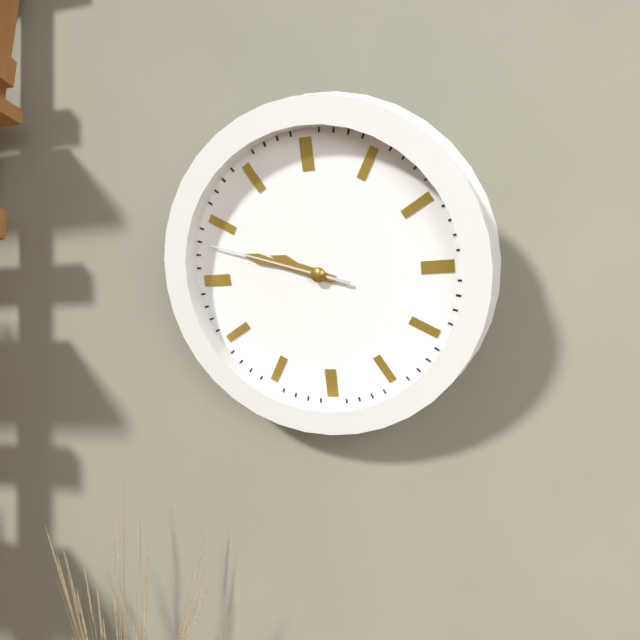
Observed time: 9h48m48s
